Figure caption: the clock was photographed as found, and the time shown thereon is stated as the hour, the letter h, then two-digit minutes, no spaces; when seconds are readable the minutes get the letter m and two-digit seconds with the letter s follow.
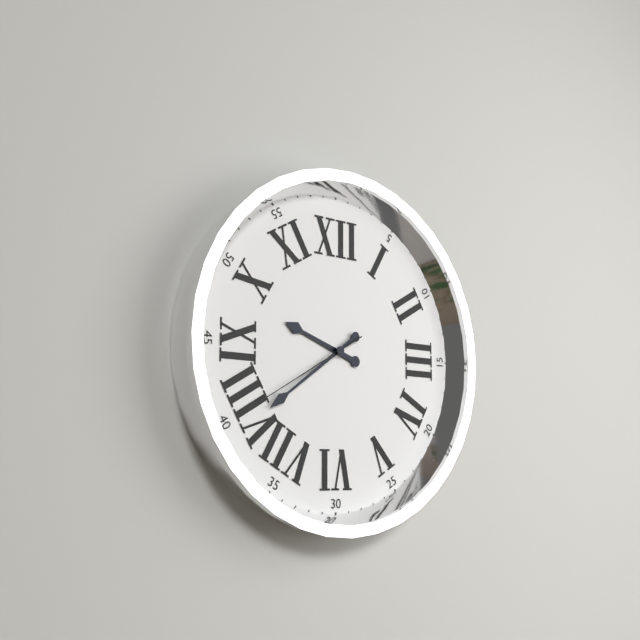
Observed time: 9h39m40s
